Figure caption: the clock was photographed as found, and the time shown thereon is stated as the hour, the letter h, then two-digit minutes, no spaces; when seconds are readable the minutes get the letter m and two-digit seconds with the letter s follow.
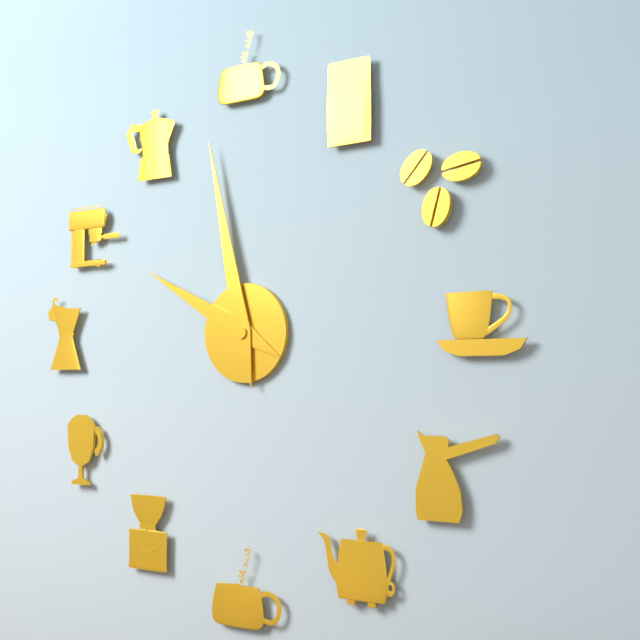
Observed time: 9h58
